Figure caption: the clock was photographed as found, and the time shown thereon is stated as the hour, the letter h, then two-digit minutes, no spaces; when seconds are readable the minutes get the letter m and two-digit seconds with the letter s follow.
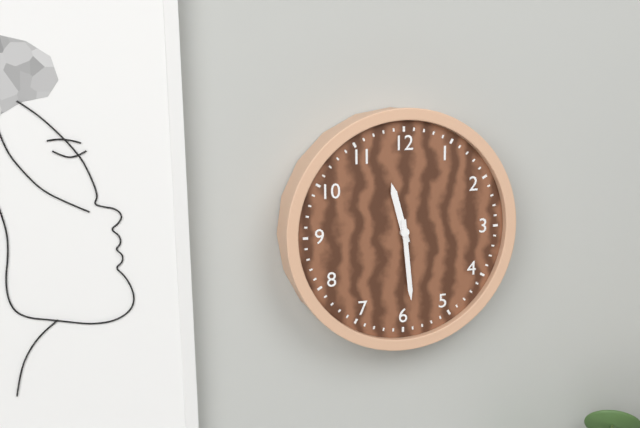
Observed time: 11h29
